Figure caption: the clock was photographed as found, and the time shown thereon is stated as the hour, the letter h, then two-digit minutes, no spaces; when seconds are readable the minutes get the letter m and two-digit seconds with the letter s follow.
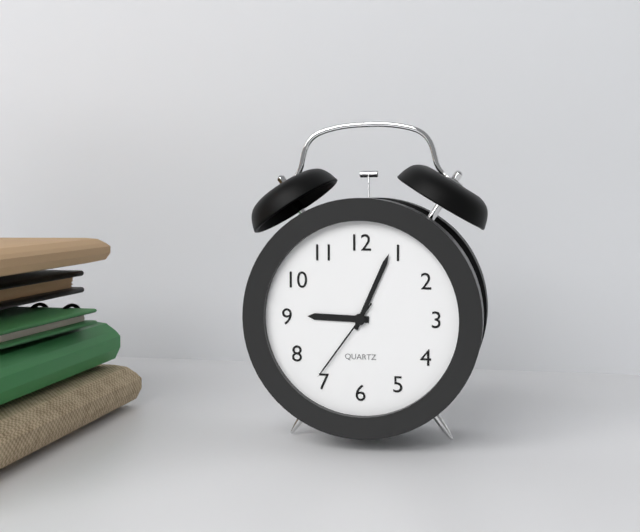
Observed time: 9h04m36s
